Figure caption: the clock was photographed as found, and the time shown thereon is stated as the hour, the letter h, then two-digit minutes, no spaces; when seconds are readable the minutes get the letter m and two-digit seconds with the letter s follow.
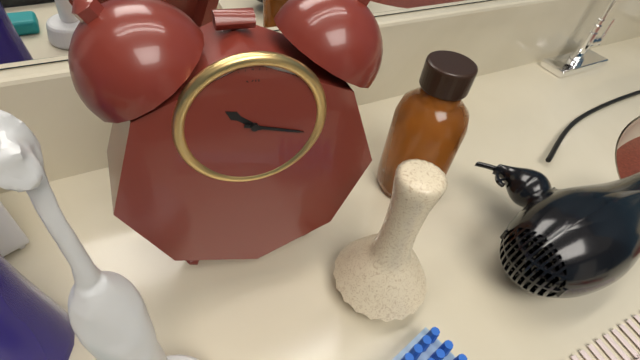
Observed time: 10h18
